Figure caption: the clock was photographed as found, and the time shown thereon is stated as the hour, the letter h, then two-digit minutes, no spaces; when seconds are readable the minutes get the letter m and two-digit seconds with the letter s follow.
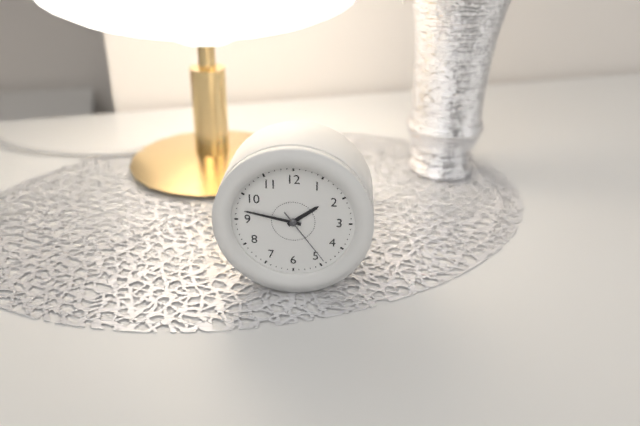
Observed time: 1h47m24s
